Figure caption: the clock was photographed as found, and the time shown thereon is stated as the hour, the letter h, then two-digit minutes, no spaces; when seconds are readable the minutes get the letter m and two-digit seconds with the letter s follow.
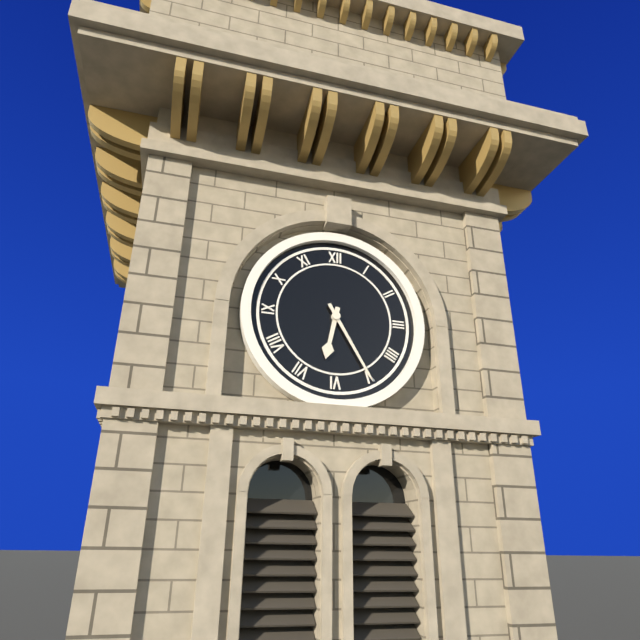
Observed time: 6h25
